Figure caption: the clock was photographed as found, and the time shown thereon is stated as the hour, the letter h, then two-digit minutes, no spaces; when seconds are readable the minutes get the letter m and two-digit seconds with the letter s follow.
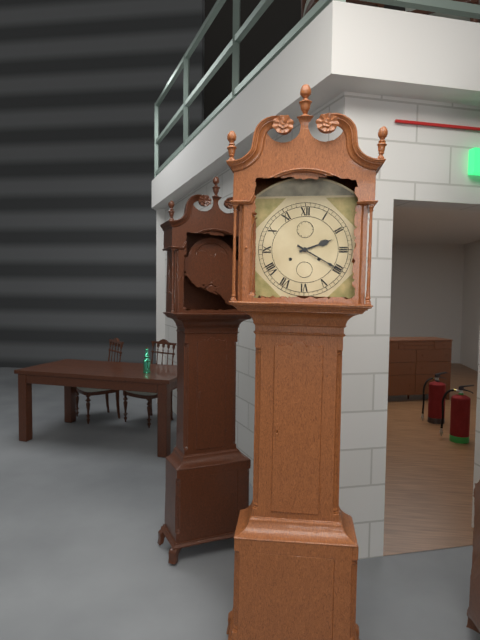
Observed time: 2h20
